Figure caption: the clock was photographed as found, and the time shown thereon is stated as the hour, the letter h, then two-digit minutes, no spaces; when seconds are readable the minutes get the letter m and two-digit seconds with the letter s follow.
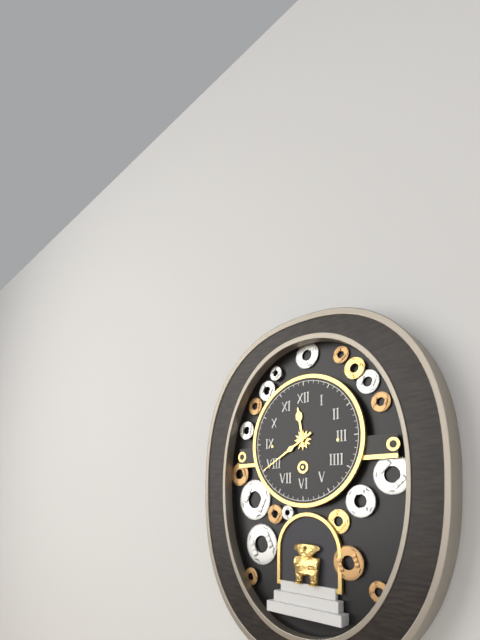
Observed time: 11h40
